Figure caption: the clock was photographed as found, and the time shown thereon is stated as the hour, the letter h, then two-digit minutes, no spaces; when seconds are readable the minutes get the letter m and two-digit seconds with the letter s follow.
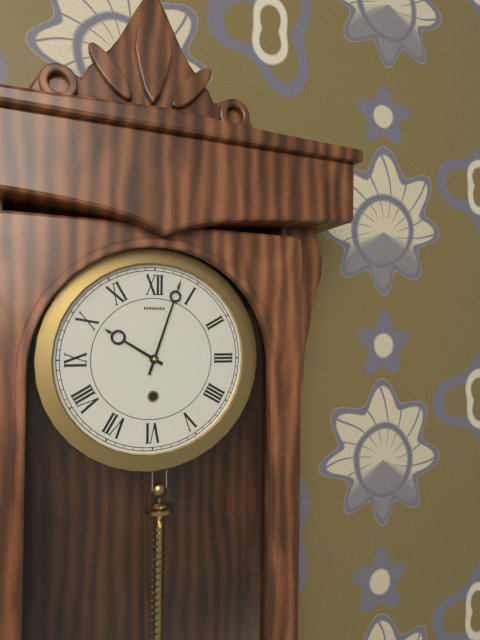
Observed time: 10h03
